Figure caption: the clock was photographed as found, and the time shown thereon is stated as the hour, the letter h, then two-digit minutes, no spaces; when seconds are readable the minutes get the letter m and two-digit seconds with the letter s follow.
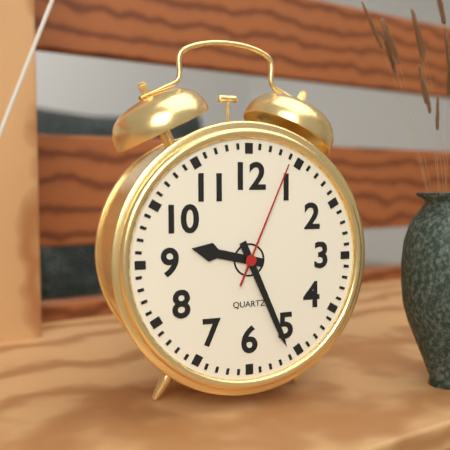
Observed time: 9h26m04s
